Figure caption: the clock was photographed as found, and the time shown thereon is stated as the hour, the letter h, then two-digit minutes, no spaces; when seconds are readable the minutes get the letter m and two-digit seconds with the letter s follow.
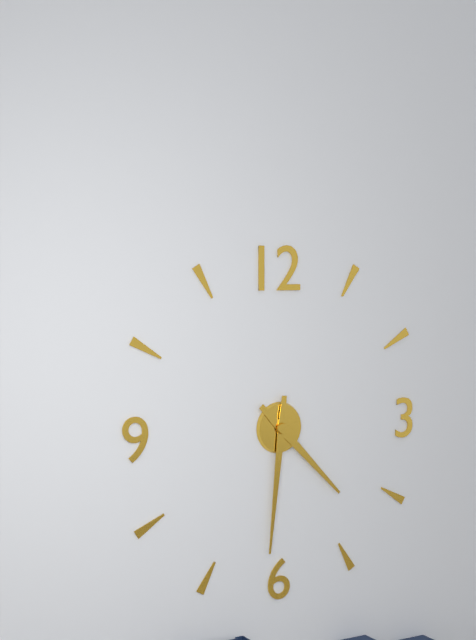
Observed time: 4h31
